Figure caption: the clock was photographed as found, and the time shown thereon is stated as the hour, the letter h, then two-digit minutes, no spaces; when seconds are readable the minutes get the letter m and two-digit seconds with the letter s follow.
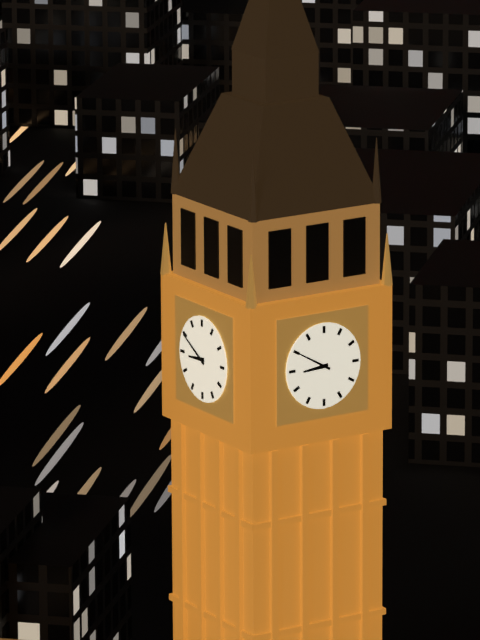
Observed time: 8h50
